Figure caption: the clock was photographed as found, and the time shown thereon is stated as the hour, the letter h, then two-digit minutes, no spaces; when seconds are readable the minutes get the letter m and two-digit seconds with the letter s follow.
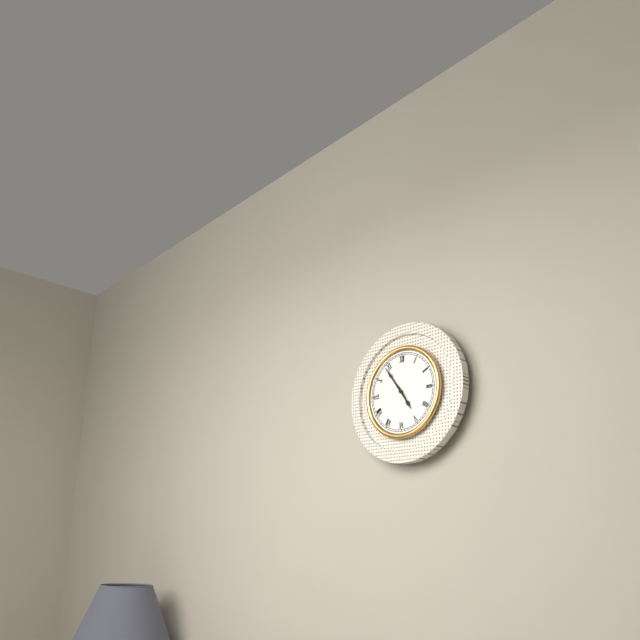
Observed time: 4h54
